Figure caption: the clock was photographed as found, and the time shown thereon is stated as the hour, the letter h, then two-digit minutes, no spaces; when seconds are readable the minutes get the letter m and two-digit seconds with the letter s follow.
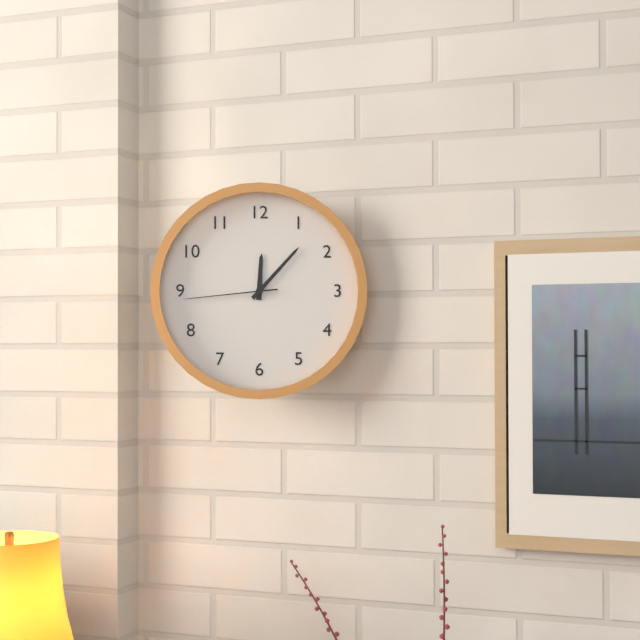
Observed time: 12h07m44s
